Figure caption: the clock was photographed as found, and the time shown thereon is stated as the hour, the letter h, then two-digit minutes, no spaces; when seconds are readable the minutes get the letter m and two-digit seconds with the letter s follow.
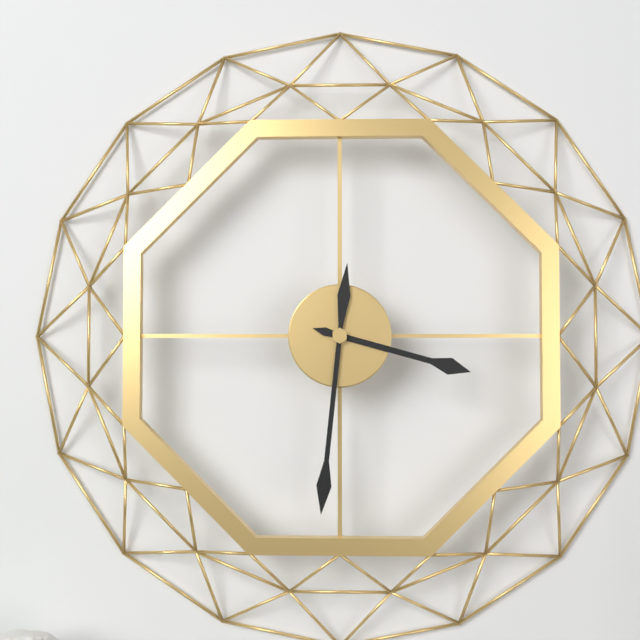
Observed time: 3h31
